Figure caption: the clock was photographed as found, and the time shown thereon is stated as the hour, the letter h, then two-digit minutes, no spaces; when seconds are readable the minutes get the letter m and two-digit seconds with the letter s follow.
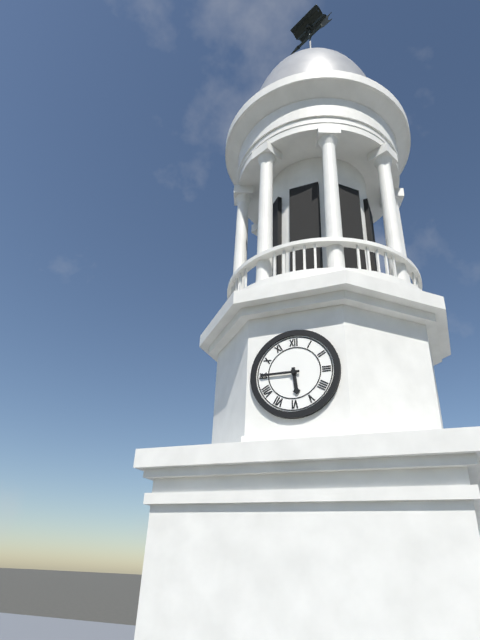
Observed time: 5h45
